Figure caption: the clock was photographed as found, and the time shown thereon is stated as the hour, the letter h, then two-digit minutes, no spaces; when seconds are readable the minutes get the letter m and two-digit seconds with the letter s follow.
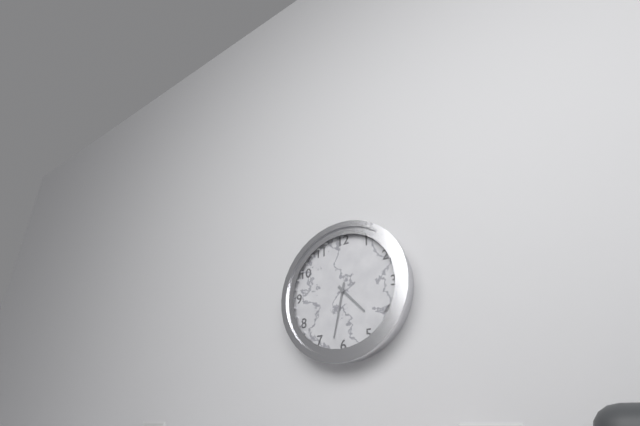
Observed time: 4h32
